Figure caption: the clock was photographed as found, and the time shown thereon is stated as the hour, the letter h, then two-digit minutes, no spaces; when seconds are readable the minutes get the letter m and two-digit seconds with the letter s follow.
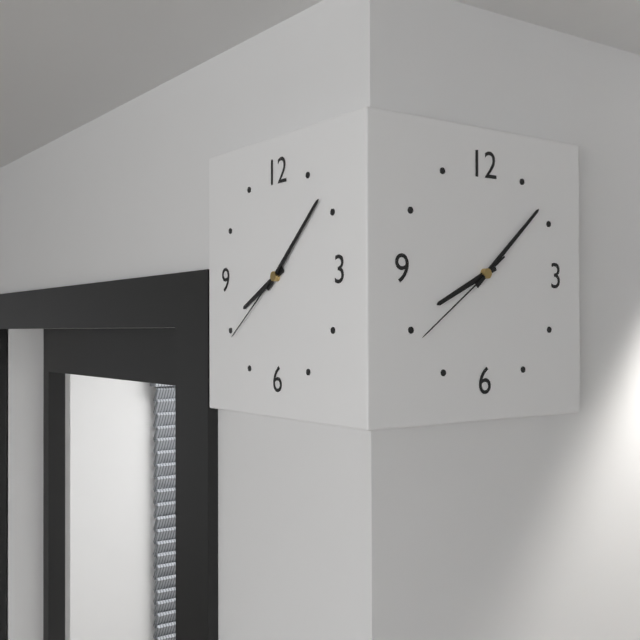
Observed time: 8h08m39s
